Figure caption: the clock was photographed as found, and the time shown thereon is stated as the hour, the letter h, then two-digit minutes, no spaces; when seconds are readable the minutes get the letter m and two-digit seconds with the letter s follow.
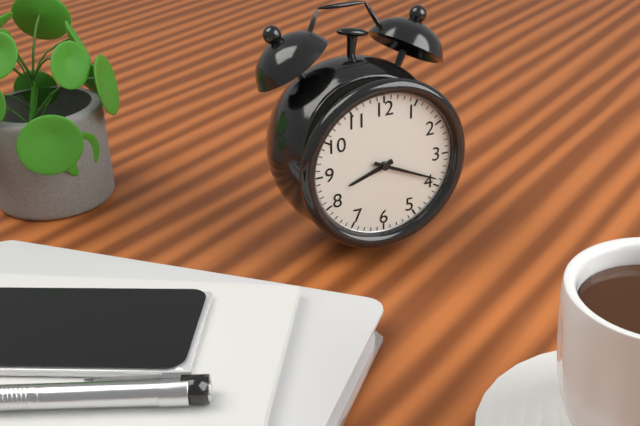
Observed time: 8h19
